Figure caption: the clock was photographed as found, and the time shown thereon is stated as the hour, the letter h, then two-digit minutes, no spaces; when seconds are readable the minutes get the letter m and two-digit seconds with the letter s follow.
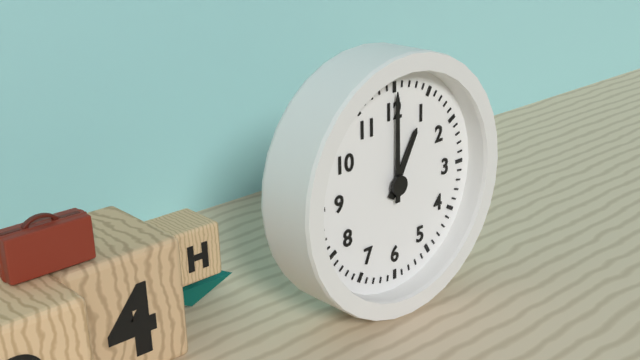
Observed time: 1h00
